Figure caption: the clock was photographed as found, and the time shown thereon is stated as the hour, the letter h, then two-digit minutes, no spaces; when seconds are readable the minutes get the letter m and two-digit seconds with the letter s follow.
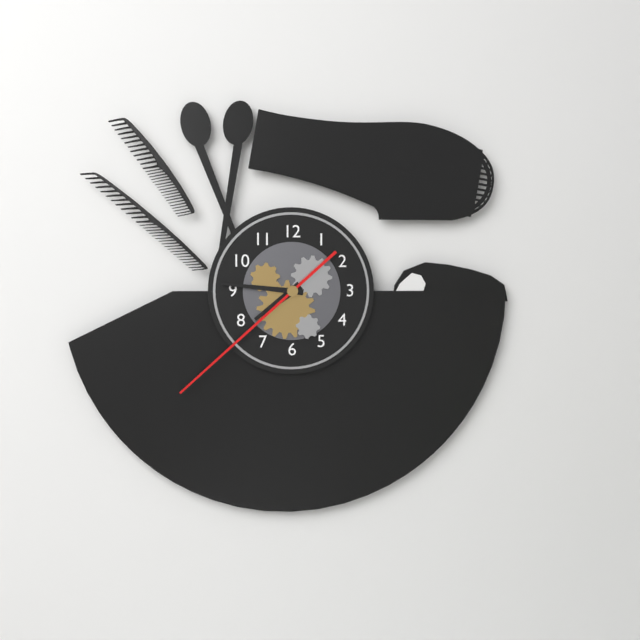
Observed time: 7h46m38s
